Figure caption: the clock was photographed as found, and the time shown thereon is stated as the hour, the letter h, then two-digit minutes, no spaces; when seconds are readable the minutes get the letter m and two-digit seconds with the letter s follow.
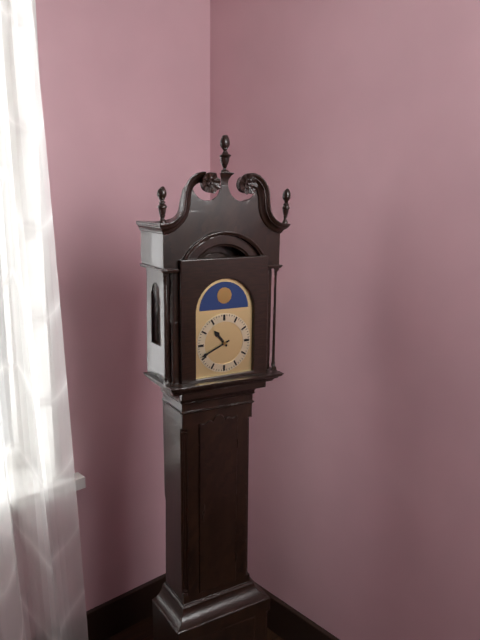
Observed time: 10h41
